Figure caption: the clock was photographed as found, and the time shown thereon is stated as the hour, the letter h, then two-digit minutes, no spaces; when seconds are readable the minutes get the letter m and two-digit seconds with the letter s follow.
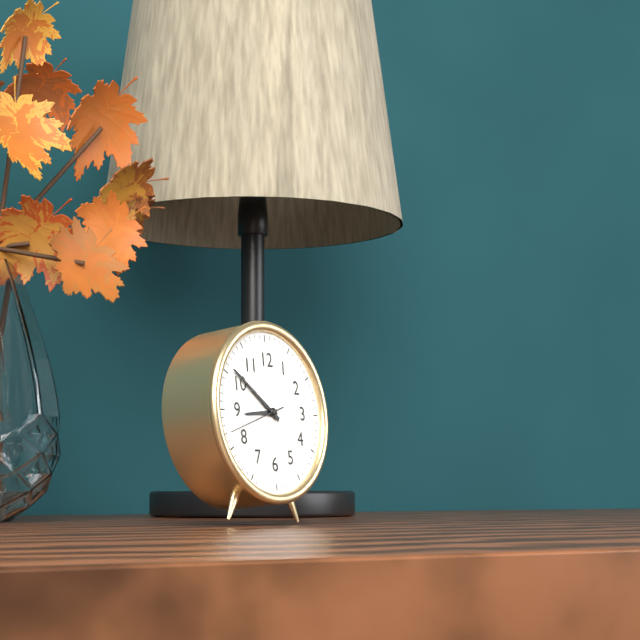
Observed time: 8h51m42s
